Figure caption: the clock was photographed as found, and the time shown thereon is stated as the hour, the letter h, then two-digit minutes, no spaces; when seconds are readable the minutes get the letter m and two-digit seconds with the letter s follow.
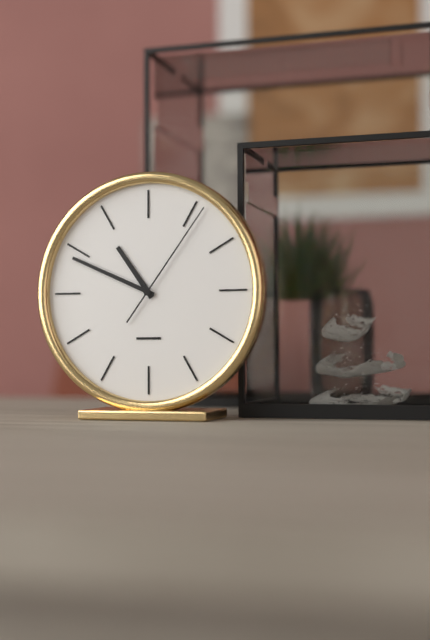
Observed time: 10h49m06s
